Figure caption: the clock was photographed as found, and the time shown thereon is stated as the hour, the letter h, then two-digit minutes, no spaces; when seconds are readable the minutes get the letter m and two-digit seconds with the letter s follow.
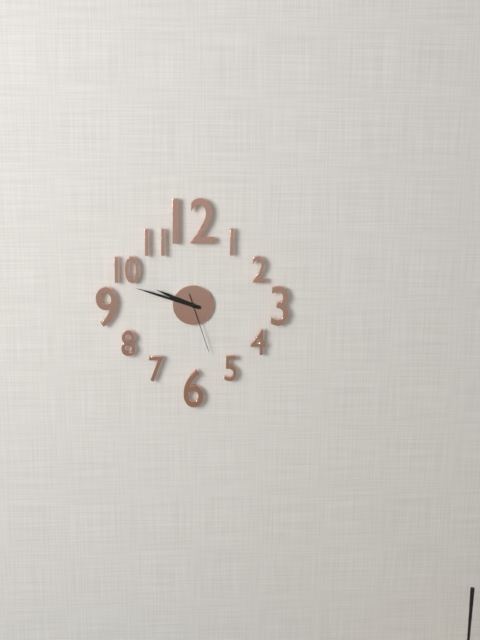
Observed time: 9h48m27s
